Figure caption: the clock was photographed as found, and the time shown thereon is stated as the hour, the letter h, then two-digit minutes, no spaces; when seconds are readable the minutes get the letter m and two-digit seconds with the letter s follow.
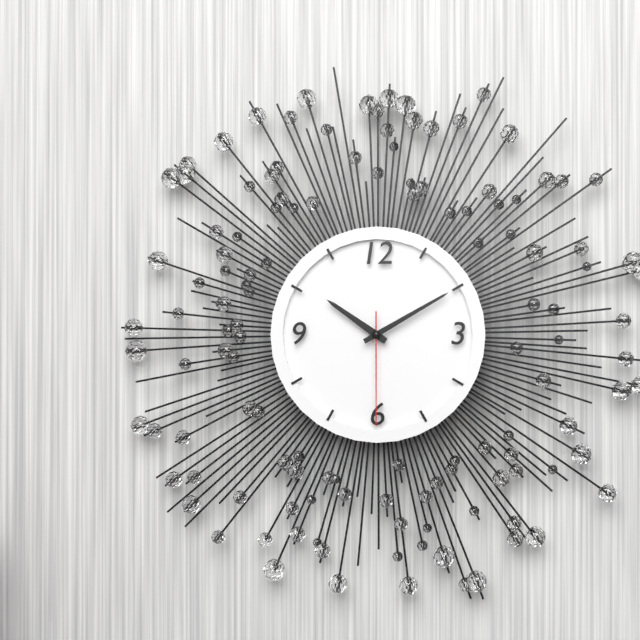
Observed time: 10h10m30s
